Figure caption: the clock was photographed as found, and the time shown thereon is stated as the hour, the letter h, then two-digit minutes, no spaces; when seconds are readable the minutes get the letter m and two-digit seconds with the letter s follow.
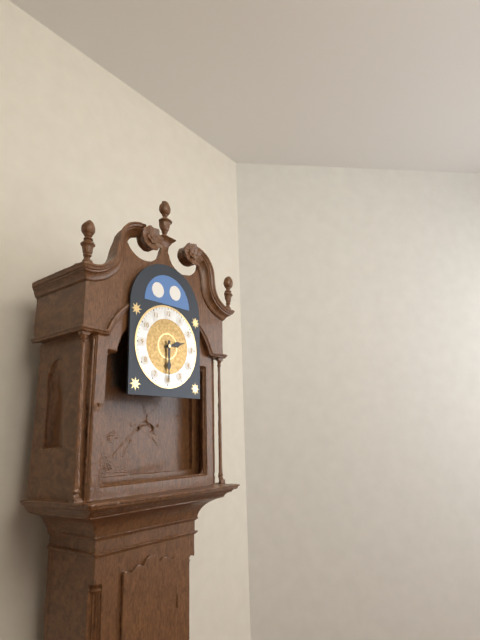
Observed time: 2h30
